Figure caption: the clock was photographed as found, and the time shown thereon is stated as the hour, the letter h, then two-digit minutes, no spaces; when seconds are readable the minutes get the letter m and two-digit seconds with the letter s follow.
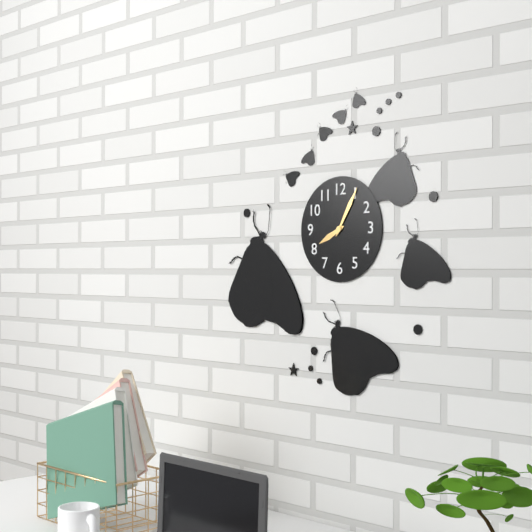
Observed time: 8h05
